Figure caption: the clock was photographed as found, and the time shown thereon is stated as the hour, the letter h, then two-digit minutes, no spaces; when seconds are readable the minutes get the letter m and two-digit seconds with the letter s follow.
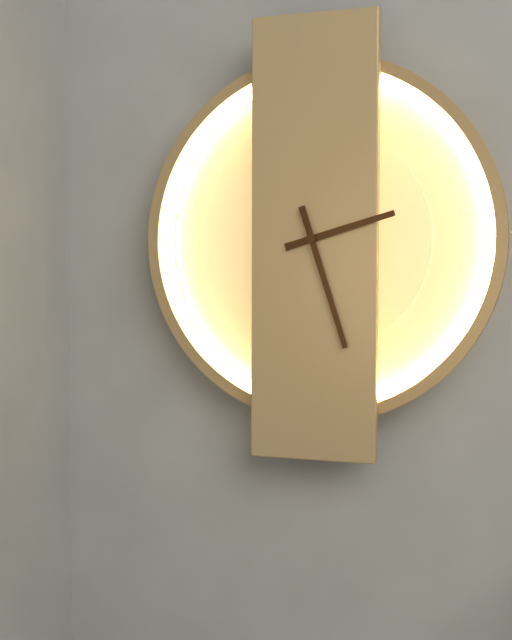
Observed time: 2h27
